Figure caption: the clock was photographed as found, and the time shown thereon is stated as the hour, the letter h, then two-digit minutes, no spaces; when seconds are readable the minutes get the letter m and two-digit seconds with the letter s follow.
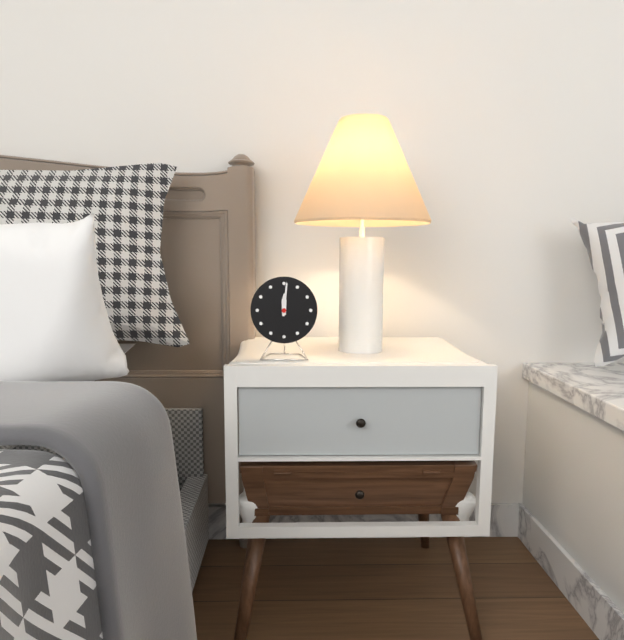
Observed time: 12h01
